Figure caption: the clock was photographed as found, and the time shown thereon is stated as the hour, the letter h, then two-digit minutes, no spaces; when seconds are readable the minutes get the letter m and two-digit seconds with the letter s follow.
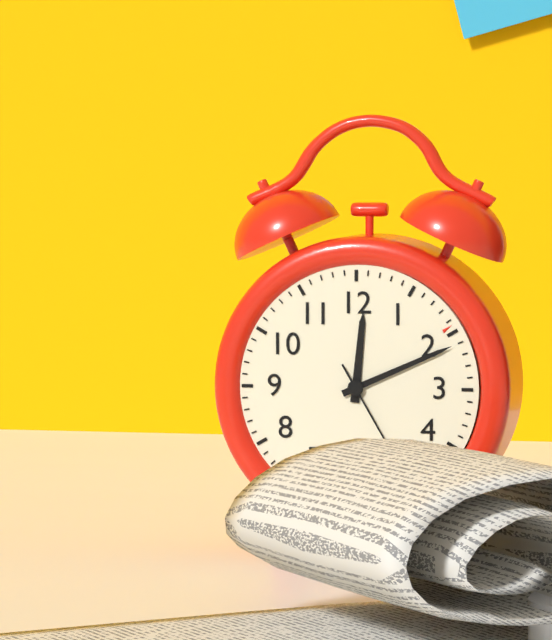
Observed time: 12h11
